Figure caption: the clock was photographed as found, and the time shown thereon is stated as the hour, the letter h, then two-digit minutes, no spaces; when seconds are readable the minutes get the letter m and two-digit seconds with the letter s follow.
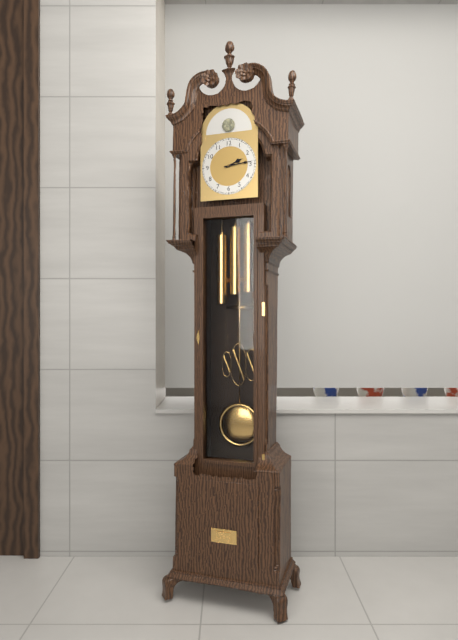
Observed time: 2h14
